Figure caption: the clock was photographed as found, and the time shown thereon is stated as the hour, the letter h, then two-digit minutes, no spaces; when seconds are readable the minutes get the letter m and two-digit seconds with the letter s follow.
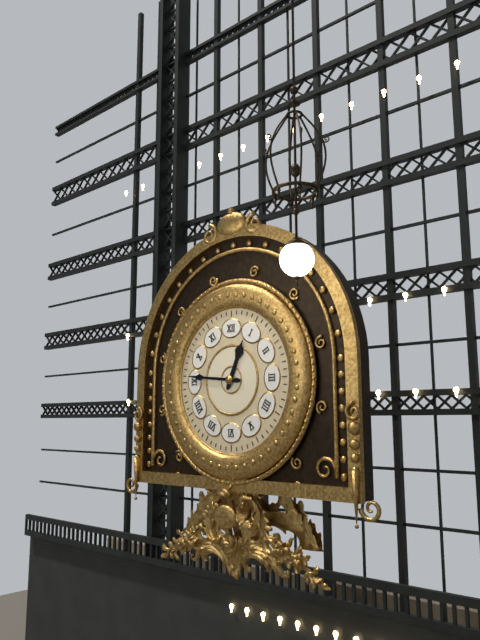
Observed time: 12h46
